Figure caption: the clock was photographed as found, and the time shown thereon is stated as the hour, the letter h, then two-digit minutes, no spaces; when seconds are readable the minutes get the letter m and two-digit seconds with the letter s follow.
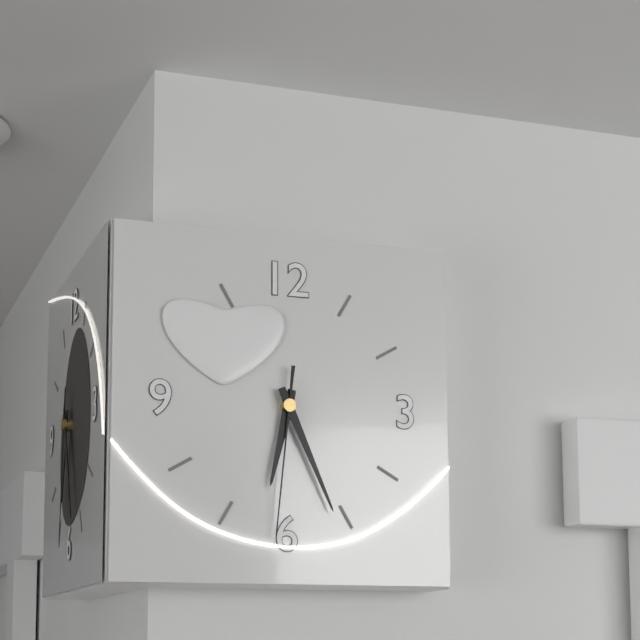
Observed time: 6h26m31s
